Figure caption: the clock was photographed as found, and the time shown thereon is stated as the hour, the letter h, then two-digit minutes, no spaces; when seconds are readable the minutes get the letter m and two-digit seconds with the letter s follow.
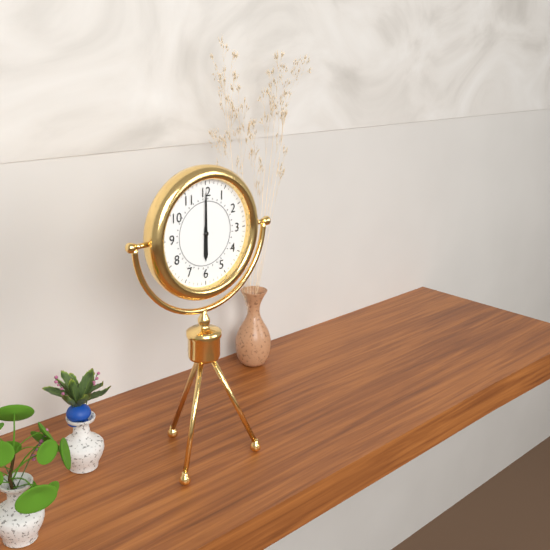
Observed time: 6h00
